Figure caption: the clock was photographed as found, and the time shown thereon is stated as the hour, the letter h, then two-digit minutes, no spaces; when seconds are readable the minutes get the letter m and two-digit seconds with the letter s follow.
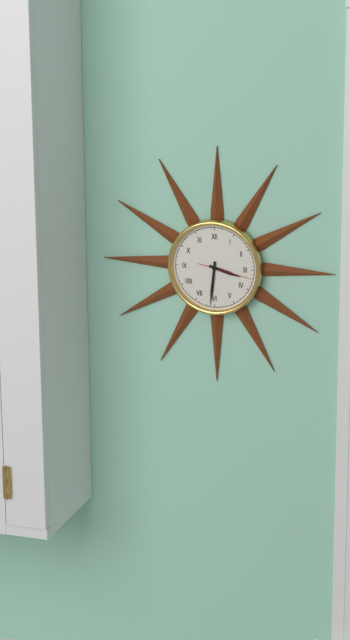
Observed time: 3h31
